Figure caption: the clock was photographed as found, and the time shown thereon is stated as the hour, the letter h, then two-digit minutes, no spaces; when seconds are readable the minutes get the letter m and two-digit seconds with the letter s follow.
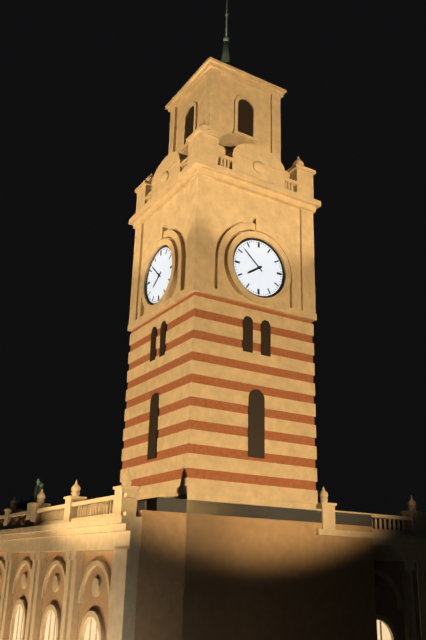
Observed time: 7h52
